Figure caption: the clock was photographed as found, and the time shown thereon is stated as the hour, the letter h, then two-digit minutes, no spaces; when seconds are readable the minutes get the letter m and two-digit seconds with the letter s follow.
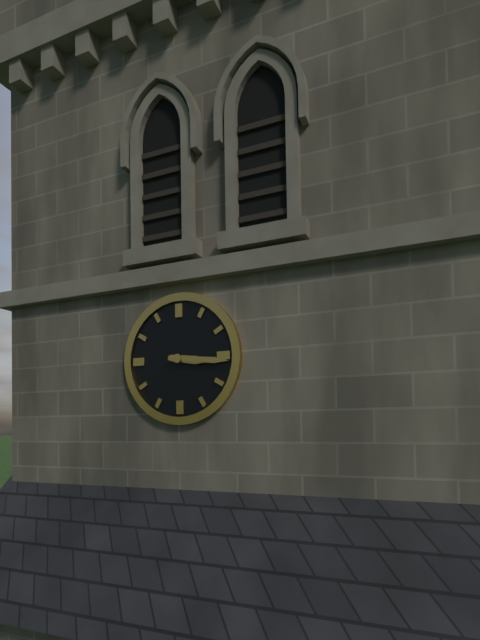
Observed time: 3h16
